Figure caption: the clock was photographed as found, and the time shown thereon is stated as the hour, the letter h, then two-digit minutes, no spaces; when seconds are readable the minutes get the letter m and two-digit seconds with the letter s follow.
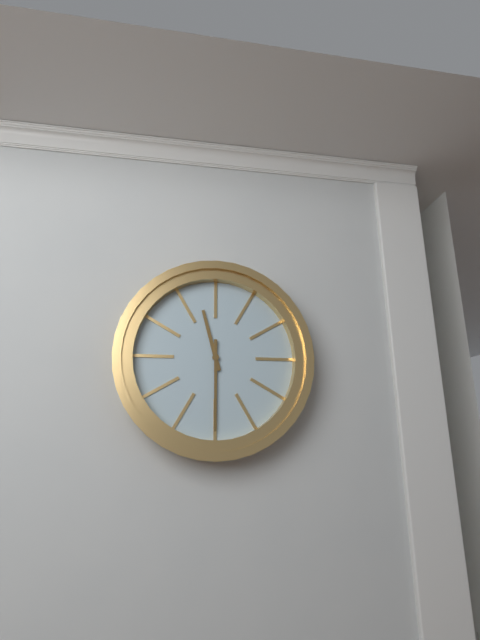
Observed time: 11h30
